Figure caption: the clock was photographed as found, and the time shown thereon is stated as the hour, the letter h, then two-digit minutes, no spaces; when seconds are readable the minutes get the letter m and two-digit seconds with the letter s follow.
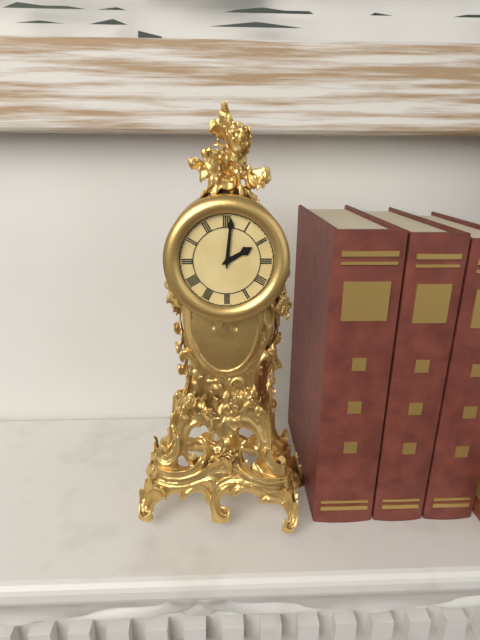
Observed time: 2h01
